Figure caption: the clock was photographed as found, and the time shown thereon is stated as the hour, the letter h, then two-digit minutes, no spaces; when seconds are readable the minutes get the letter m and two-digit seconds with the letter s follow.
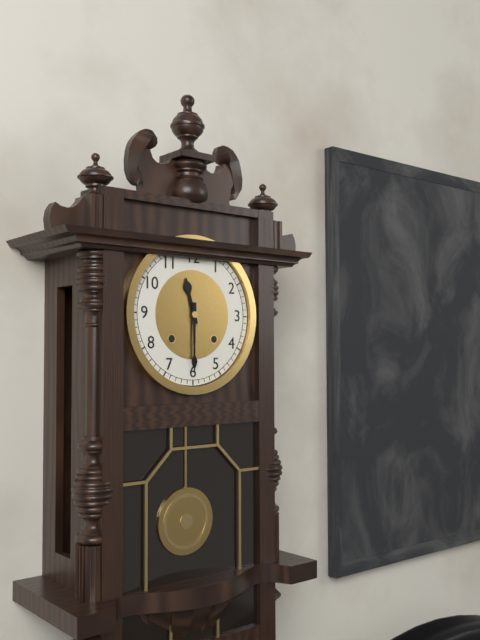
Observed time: 11h30
